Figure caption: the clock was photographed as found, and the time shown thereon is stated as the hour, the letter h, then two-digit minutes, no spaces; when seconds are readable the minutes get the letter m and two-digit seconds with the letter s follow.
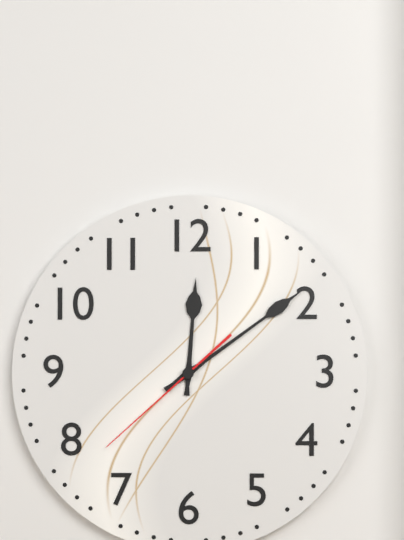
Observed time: 12h09m38s
